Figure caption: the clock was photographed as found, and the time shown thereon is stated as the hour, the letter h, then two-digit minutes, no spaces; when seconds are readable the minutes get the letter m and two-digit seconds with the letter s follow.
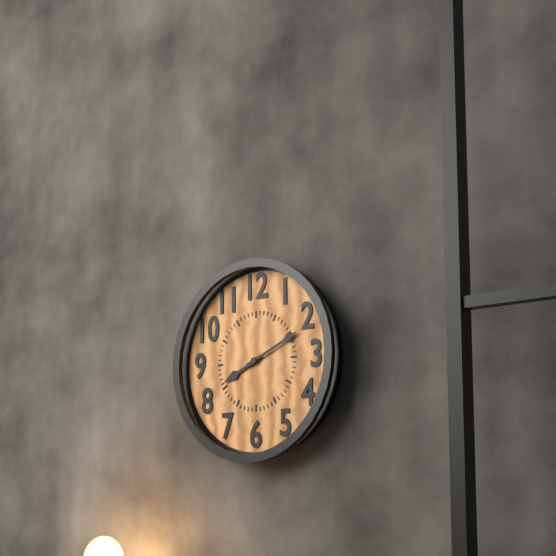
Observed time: 8h11
